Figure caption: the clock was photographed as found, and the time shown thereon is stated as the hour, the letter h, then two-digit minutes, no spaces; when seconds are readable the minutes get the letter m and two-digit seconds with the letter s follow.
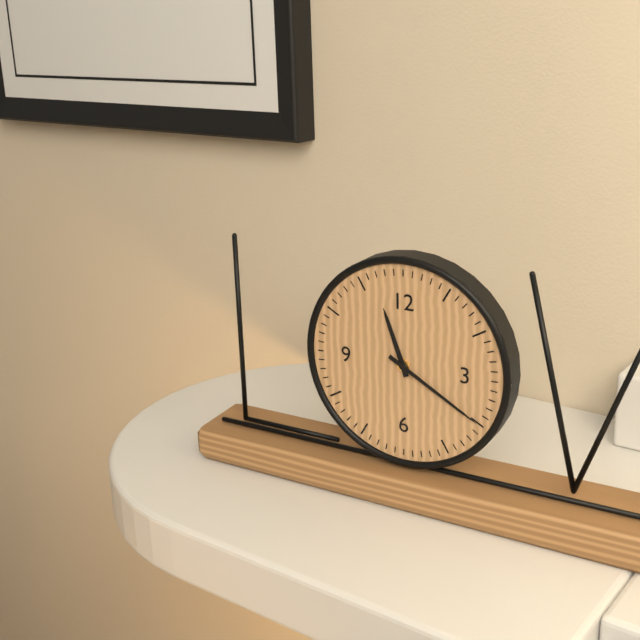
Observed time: 11h20
